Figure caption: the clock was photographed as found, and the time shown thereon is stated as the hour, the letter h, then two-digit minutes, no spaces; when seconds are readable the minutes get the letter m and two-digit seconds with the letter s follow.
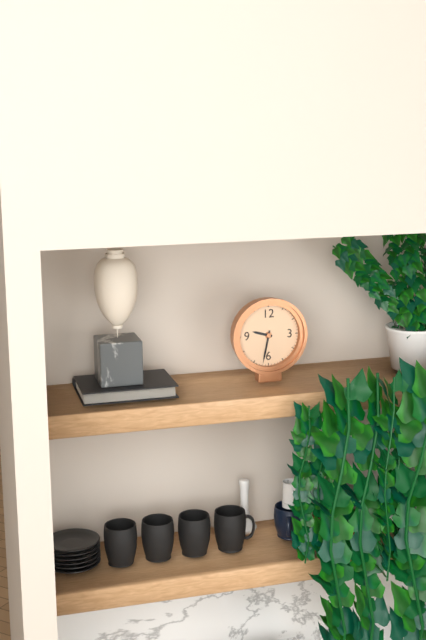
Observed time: 9h32
